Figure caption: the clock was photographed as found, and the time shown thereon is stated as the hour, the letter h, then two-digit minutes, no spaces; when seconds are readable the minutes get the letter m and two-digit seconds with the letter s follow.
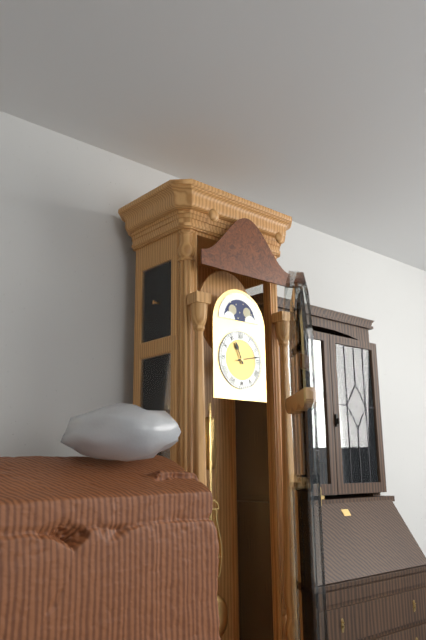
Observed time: 11h13
